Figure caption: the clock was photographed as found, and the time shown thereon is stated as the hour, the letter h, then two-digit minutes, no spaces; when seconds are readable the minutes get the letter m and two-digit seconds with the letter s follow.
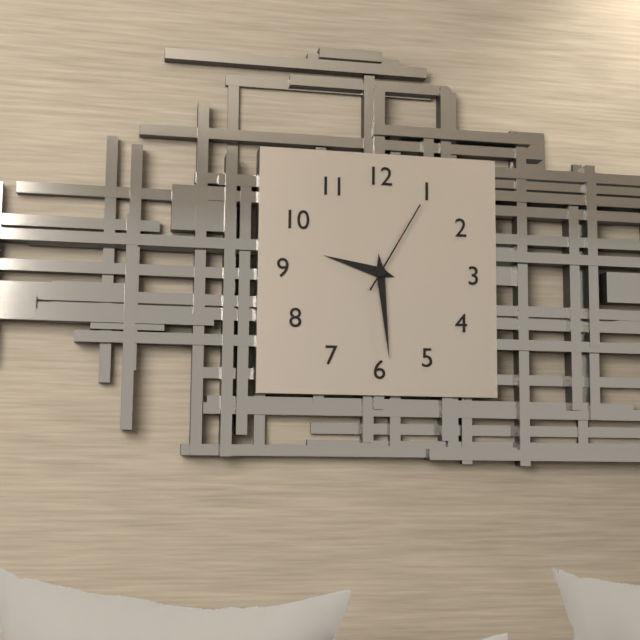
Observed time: 9h29m05s
